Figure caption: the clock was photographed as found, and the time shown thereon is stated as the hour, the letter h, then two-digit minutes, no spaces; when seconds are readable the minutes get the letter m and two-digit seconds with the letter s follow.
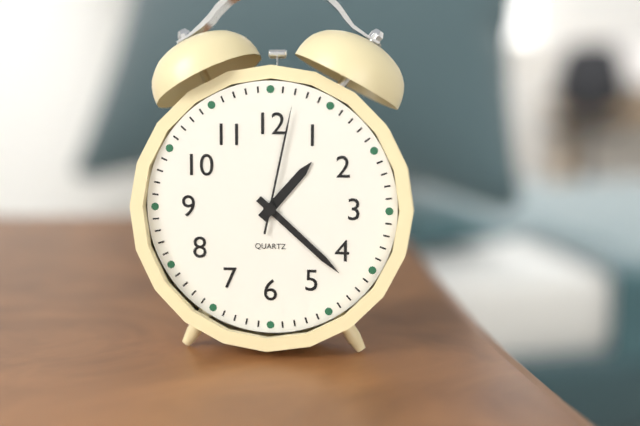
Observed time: 1h22m02s
